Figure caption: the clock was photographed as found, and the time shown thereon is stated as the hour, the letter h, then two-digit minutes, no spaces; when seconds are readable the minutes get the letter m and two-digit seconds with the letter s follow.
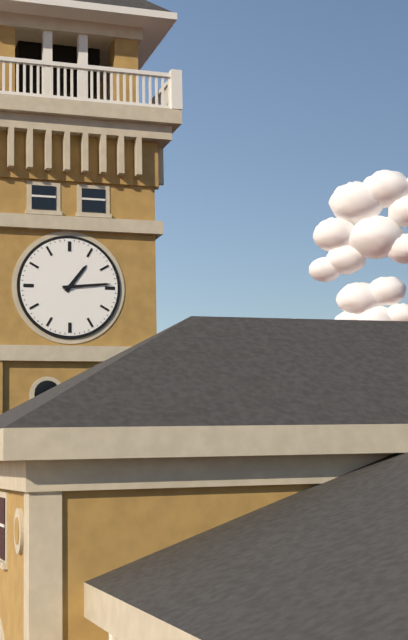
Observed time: 1h14
